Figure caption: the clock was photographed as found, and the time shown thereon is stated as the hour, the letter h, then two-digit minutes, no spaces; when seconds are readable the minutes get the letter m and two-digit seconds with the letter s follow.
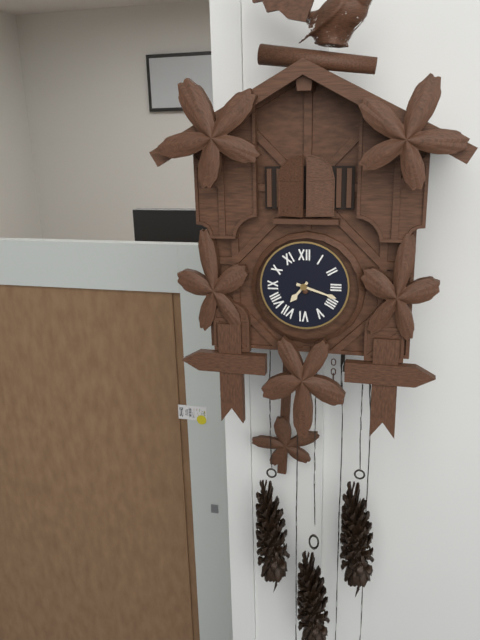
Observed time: 7h18
